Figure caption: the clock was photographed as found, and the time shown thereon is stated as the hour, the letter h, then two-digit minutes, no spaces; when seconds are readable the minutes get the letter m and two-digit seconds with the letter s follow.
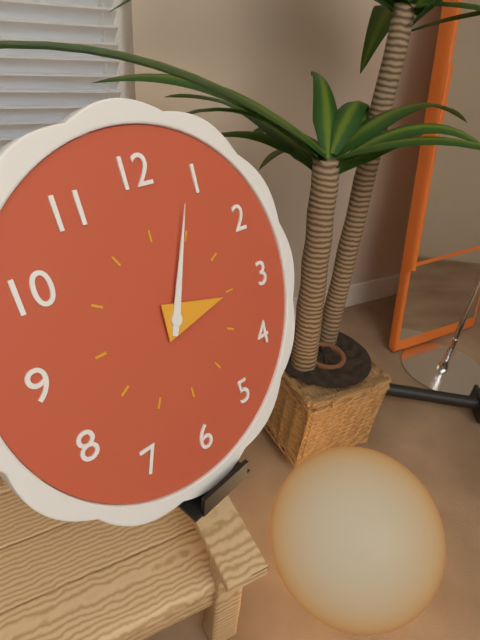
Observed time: 3h04
